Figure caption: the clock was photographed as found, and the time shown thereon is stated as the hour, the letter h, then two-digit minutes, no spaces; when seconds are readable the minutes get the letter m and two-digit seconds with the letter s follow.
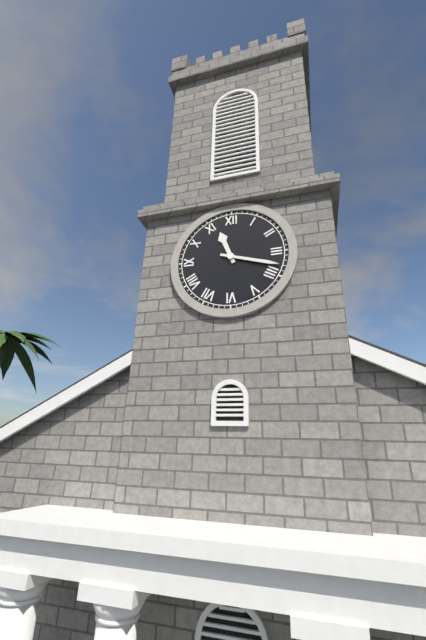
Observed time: 11h18
